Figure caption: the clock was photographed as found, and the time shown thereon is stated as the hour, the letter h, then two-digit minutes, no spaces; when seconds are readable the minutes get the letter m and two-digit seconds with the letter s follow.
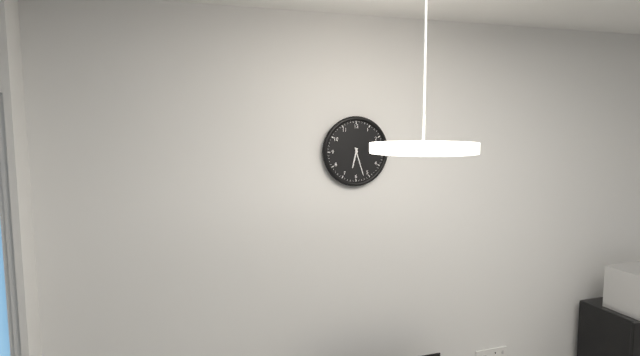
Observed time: 6h27
